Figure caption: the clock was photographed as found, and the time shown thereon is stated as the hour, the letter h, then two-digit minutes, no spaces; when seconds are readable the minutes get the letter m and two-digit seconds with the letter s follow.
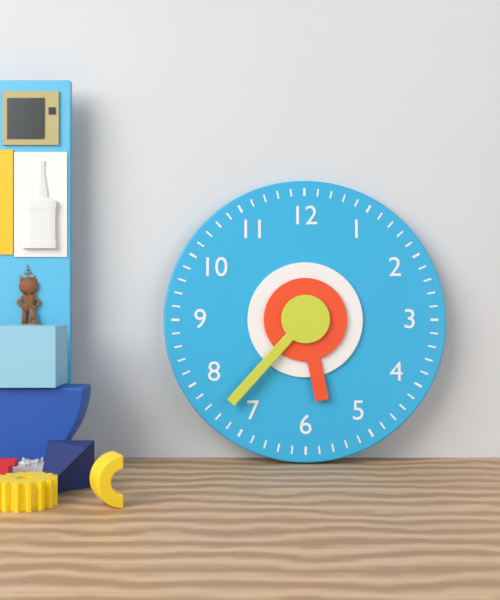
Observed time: 5h37
